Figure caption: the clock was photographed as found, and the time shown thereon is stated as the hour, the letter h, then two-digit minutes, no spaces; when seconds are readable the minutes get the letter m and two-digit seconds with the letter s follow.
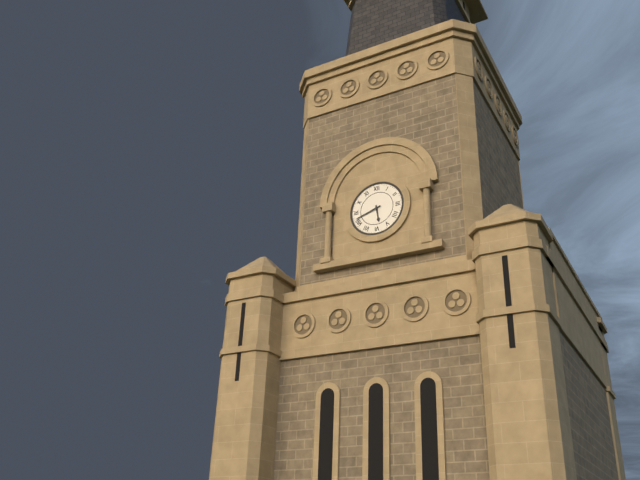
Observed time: 5h42
